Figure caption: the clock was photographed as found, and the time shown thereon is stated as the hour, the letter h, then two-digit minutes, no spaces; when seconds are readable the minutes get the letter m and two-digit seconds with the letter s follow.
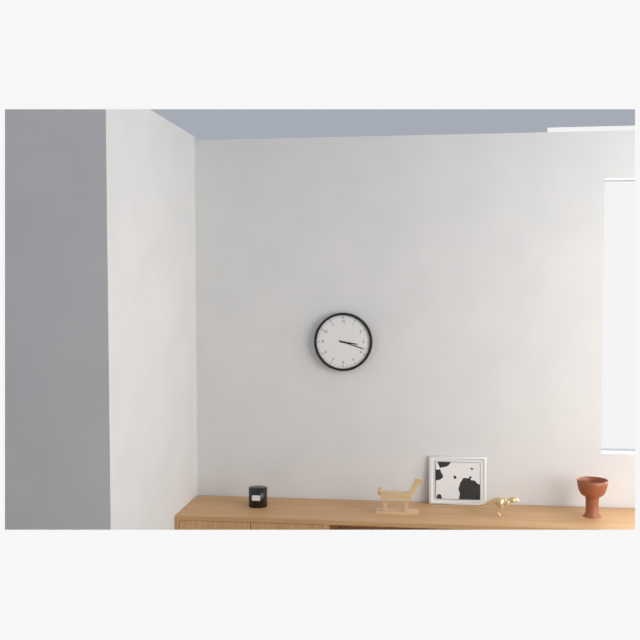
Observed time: 3h18
